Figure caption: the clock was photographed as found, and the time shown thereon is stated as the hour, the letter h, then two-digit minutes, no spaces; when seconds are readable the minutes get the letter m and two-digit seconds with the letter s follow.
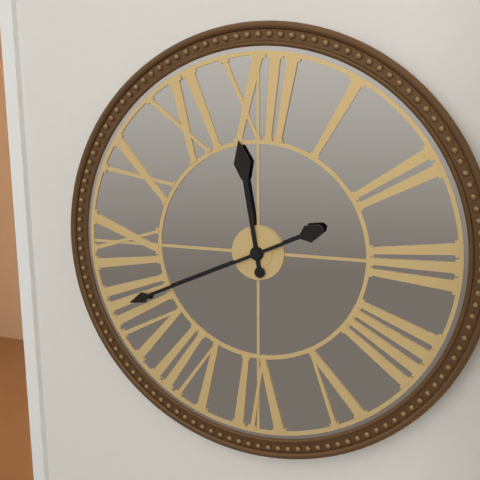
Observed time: 11h41
